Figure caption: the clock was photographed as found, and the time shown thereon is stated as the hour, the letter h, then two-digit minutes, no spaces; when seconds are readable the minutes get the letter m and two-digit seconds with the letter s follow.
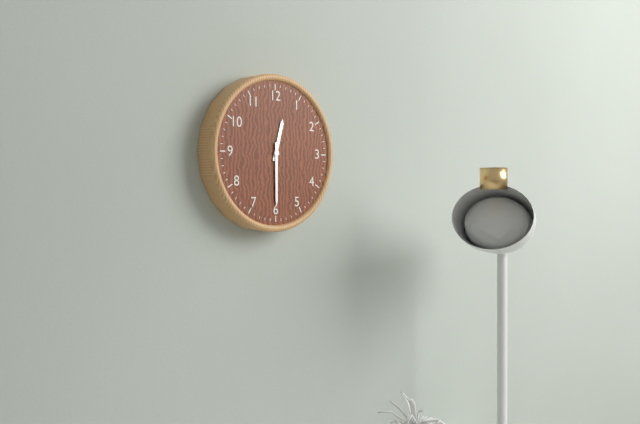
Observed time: 12h30
